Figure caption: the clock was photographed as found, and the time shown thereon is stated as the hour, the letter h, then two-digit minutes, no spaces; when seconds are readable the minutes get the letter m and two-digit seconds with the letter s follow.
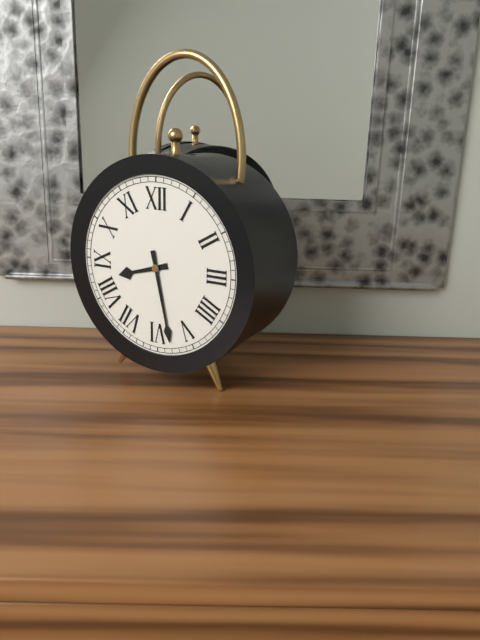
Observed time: 8h28
